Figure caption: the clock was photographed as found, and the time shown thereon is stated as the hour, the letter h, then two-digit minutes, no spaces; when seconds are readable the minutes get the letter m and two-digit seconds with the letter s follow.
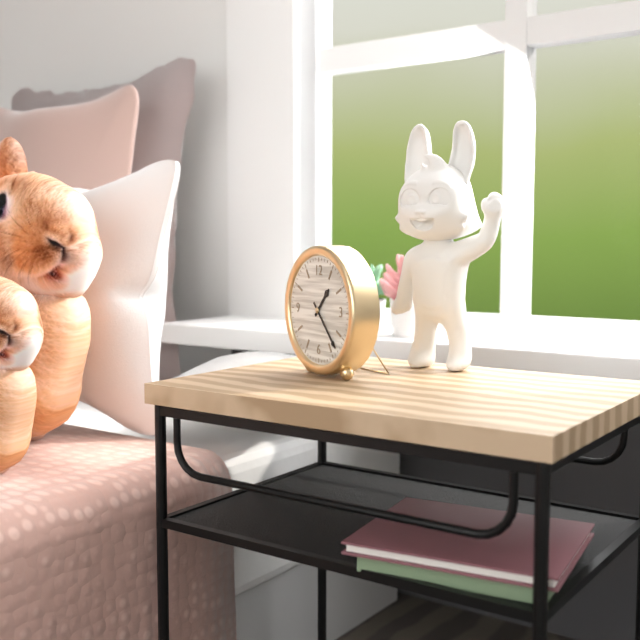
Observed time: 1h23
